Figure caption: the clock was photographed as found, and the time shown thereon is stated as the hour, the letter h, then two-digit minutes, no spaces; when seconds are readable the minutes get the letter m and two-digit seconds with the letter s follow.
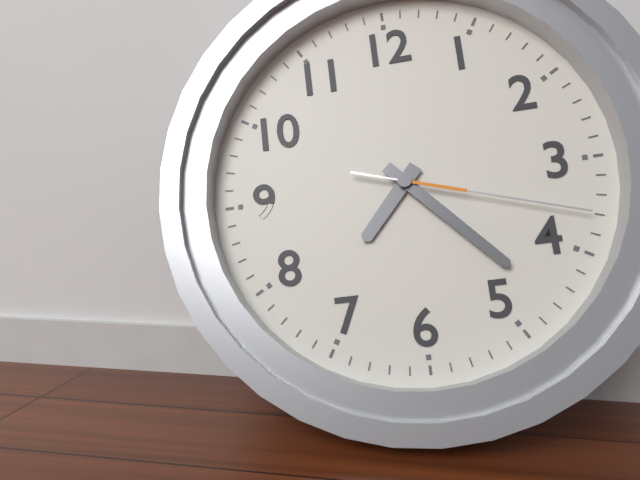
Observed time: 7h23m18s
